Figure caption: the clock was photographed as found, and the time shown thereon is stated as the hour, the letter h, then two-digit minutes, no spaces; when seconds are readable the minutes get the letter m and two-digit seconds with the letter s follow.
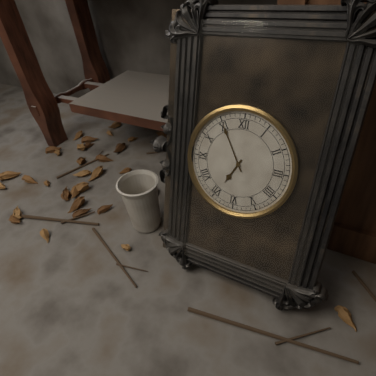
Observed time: 6h55
